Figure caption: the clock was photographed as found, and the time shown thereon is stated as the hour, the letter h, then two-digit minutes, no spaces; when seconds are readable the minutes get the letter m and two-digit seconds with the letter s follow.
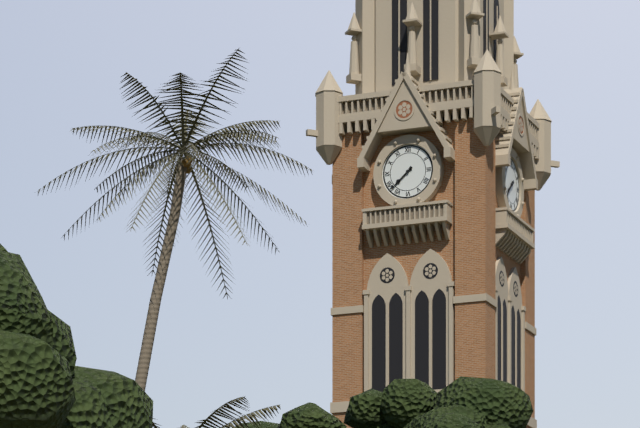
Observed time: 7h38
